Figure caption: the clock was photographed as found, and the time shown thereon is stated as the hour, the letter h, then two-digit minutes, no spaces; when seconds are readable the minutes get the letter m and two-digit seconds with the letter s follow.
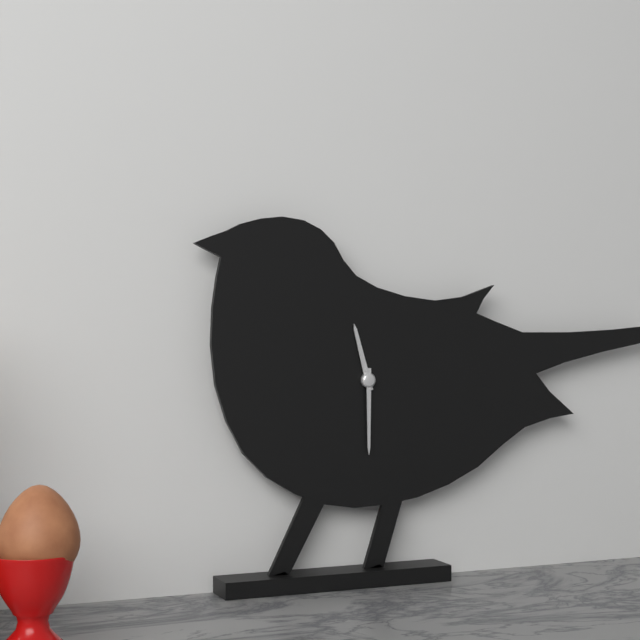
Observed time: 11h30
